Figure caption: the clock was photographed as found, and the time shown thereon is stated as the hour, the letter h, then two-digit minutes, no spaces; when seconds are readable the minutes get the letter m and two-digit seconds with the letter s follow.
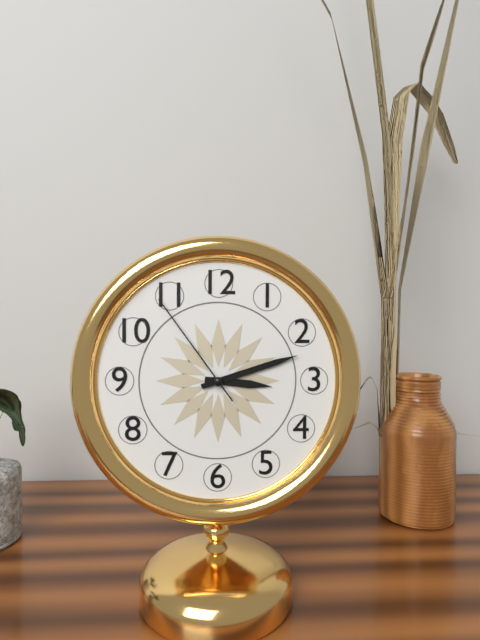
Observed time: 3h12m54s
